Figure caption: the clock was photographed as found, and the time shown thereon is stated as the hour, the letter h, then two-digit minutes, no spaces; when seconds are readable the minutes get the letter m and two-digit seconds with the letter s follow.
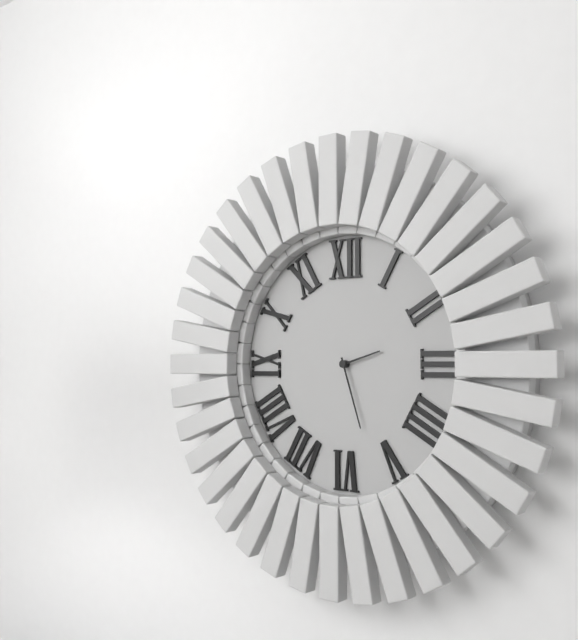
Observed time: 2h27
